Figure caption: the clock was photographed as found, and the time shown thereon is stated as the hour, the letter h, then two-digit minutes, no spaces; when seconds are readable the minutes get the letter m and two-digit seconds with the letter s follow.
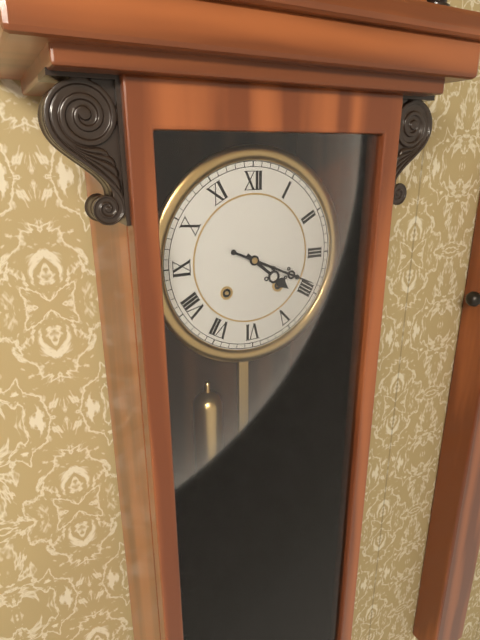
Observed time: 4h19
